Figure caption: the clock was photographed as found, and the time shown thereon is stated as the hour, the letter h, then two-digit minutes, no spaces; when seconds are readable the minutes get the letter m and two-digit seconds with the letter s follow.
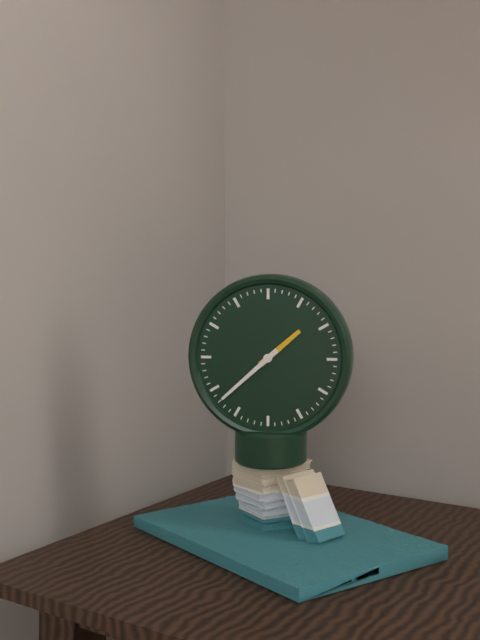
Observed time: 1h38
